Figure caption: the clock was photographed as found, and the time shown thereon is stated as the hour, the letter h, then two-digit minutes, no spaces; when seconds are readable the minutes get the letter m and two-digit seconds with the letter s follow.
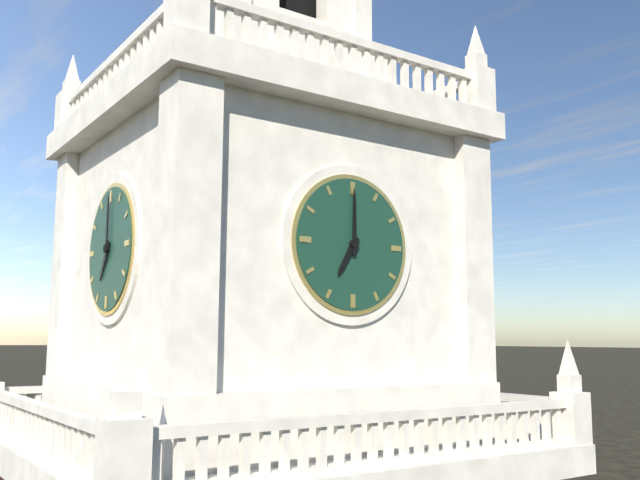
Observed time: 7h00
